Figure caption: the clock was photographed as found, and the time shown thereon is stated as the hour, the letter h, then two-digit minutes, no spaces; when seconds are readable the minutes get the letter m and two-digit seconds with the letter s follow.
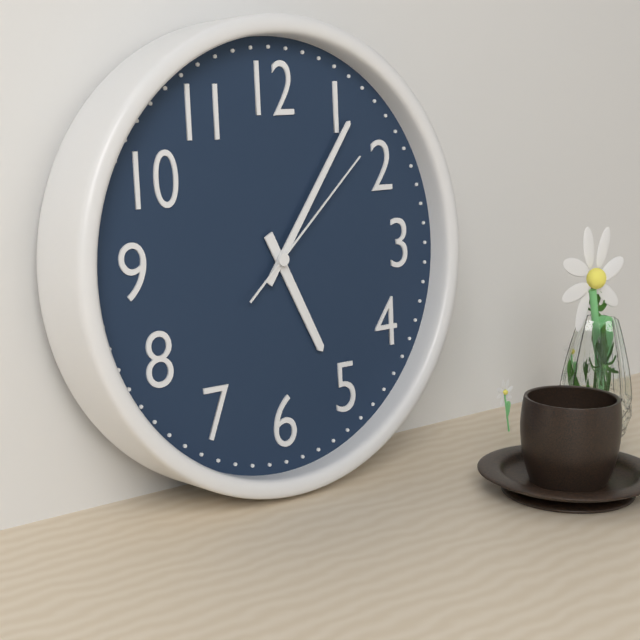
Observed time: 5h06m08s
